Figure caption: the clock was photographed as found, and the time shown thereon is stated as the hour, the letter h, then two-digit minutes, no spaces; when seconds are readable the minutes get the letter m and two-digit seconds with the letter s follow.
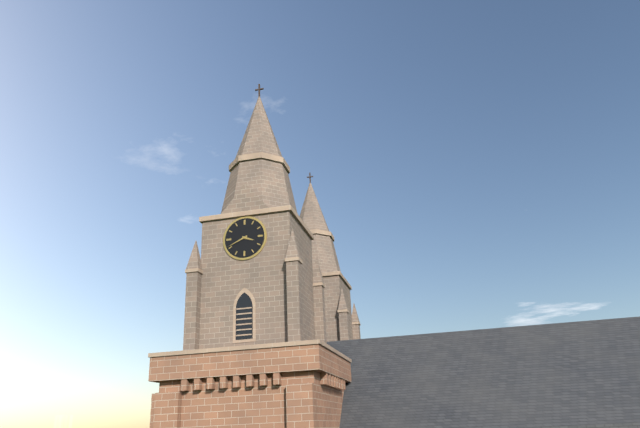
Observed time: 3h41
